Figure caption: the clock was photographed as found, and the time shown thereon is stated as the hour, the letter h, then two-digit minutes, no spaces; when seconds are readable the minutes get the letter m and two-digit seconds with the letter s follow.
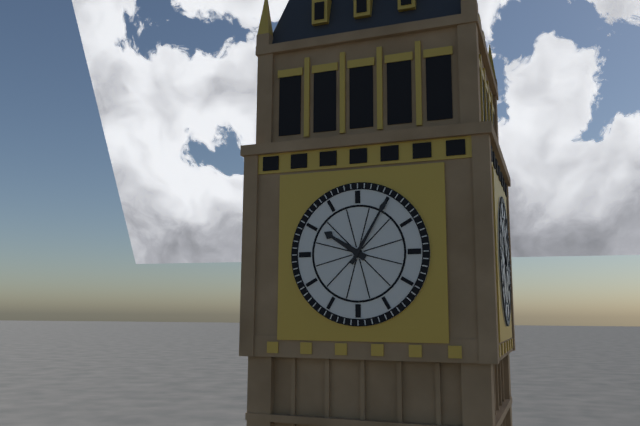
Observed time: 10h05
